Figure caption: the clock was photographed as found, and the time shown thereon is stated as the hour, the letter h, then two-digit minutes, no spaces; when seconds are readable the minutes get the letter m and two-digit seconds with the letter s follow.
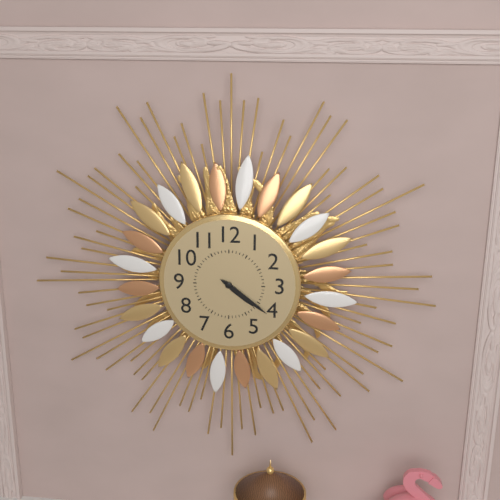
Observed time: 4h21
